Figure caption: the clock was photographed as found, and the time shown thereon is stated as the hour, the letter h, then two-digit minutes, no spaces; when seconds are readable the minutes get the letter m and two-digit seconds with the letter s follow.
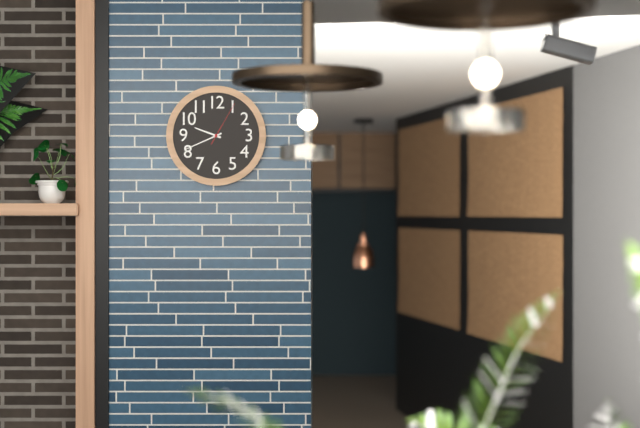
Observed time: 9h41
